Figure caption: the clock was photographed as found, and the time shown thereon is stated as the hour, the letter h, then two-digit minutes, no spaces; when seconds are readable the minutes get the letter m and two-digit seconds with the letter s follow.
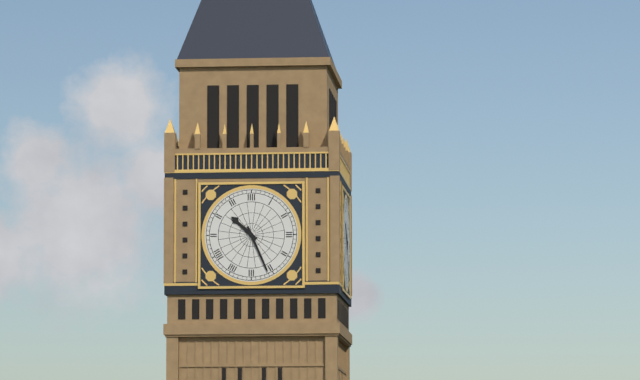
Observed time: 10h26
